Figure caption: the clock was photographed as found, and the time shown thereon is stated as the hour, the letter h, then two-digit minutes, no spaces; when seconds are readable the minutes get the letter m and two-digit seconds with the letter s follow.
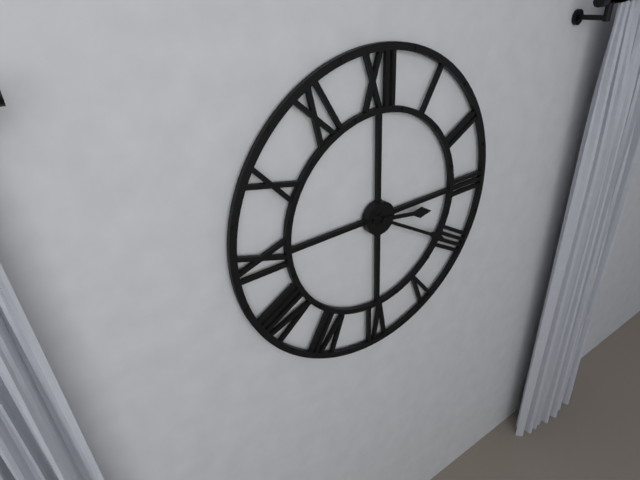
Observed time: 3h20
